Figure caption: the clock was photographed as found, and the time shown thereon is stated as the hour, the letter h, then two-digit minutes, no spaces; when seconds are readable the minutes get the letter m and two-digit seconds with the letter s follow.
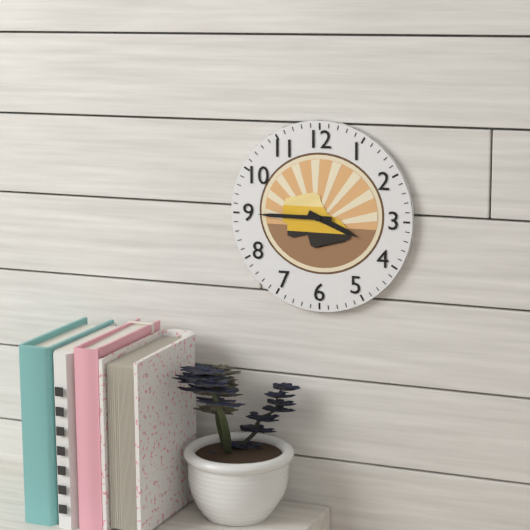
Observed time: 3h45
